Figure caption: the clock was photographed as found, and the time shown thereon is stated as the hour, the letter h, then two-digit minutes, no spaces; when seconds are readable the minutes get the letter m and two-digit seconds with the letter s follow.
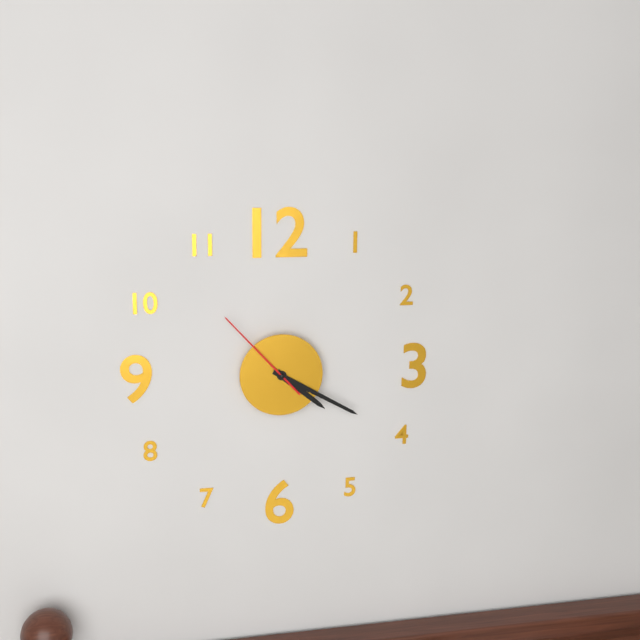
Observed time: 4h20m53s
